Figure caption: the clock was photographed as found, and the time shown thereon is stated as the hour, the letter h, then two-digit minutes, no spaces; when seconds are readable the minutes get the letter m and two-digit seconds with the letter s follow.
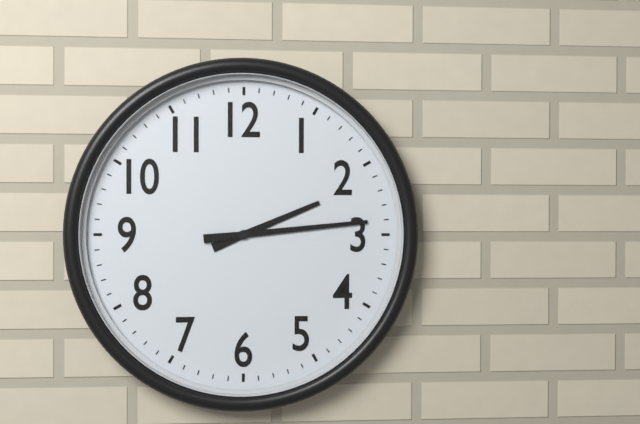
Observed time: 2h14
